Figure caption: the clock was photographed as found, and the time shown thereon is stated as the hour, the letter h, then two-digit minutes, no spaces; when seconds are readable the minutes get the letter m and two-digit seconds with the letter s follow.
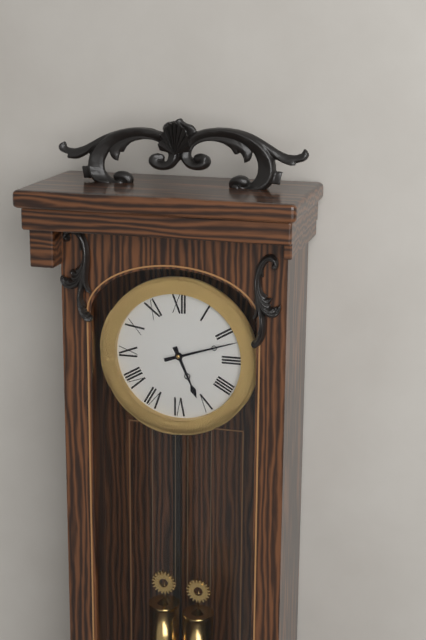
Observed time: 5h12
